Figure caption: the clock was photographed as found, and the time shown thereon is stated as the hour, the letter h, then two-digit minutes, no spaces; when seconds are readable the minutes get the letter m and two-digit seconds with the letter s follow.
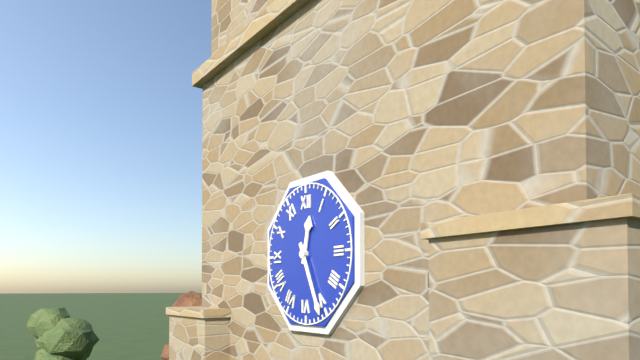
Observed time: 12h26
